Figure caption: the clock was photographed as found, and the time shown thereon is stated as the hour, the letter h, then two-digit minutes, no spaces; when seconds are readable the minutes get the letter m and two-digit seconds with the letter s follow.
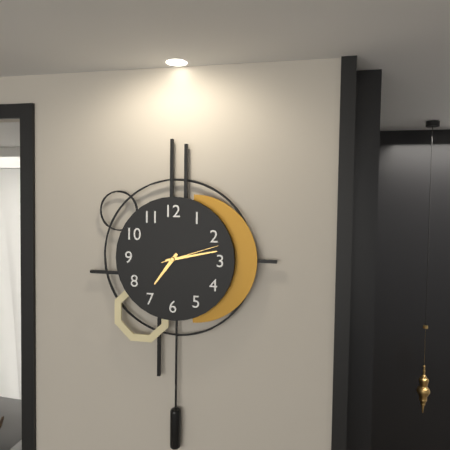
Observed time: 7h13m12s
